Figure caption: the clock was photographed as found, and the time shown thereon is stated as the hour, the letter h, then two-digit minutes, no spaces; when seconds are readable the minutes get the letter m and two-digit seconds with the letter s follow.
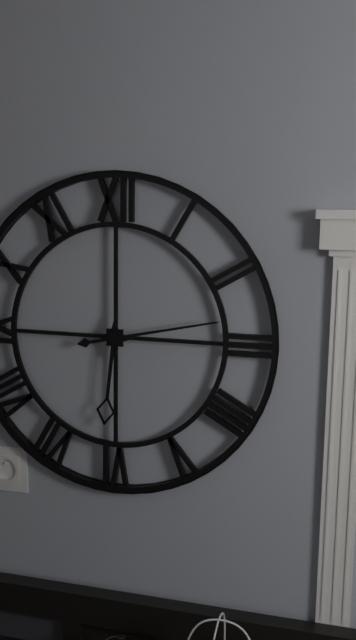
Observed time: 6h13
